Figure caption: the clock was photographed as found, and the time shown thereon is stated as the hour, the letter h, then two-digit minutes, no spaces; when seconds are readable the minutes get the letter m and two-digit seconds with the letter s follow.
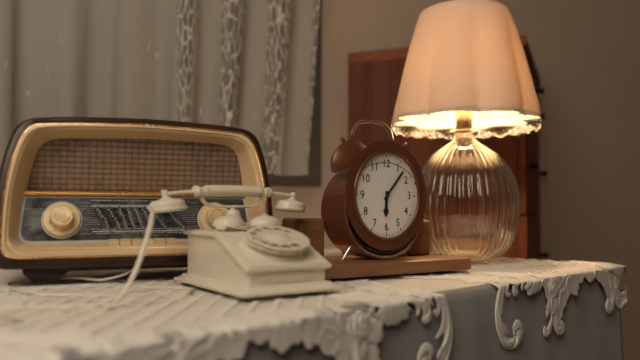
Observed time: 6h07
